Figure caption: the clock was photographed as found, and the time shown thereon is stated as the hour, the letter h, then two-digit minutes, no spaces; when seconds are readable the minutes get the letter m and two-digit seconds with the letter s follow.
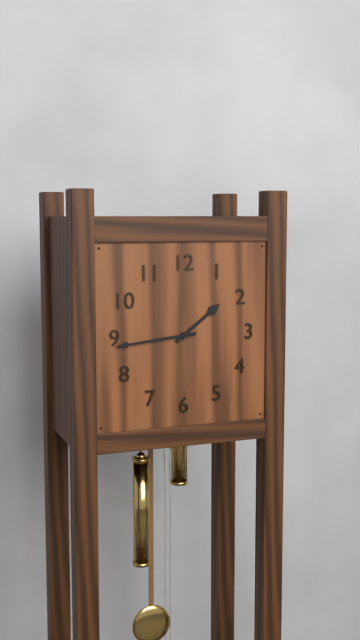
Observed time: 1h44
